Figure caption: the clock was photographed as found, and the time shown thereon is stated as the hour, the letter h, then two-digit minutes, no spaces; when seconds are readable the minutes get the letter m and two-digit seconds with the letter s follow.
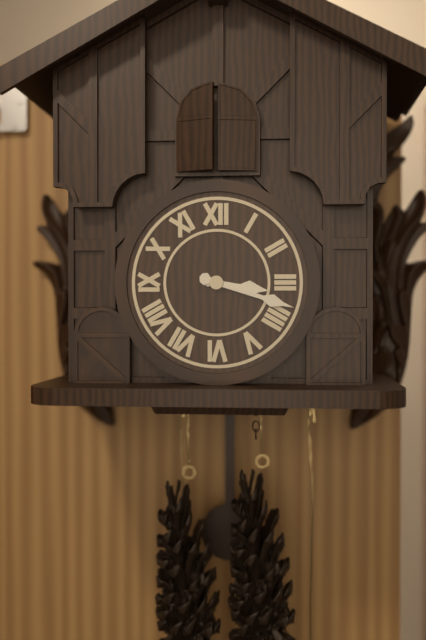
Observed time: 3h18
